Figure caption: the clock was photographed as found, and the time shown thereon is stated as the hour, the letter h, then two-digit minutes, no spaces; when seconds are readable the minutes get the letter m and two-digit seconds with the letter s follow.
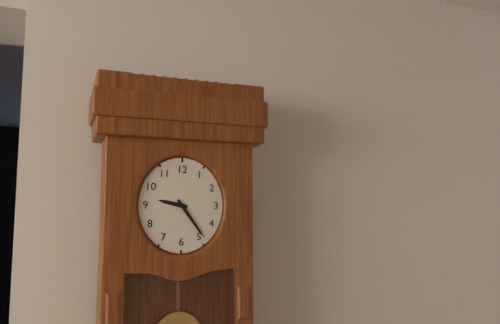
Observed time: 9h24
